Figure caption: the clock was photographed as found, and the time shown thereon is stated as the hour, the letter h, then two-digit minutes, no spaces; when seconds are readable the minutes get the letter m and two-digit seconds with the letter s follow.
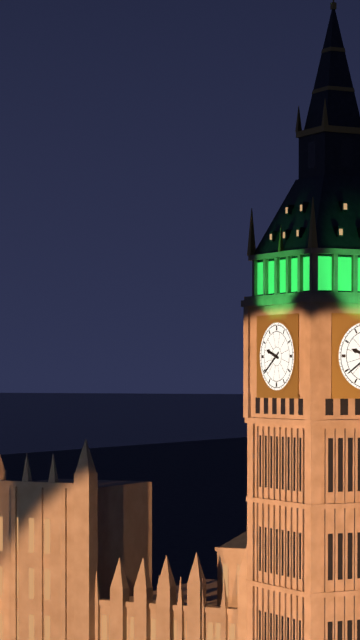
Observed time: 9h39
